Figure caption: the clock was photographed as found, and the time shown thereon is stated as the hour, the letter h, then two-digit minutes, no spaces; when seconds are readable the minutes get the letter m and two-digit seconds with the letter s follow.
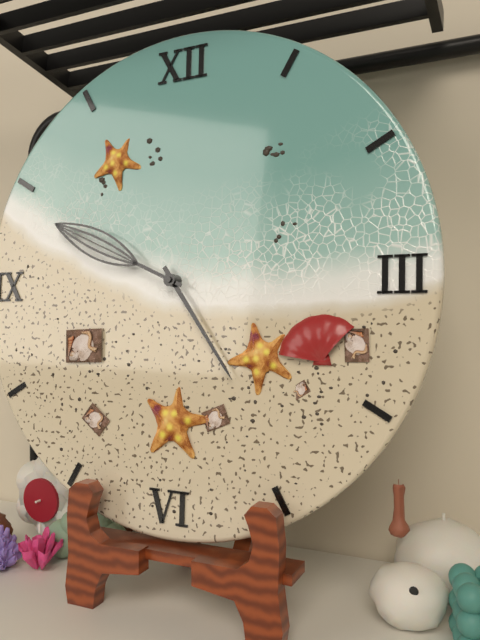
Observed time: 4h49
